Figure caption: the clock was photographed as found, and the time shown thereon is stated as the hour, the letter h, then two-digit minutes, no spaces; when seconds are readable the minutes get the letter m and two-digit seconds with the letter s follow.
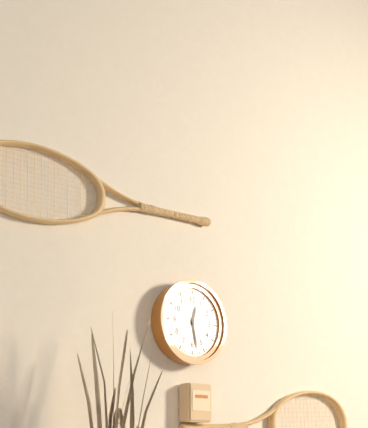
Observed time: 12h28
